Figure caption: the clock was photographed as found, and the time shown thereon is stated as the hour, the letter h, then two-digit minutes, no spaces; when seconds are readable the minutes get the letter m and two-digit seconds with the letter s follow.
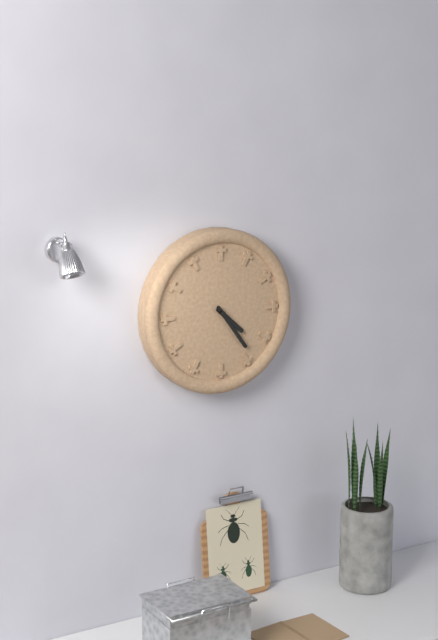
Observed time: 4h24
